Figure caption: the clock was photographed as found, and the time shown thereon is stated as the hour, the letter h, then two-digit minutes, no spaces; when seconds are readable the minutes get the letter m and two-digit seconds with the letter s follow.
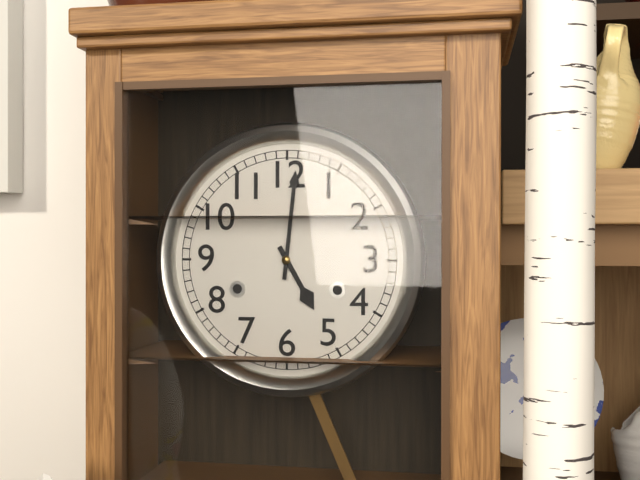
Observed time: 5h01
